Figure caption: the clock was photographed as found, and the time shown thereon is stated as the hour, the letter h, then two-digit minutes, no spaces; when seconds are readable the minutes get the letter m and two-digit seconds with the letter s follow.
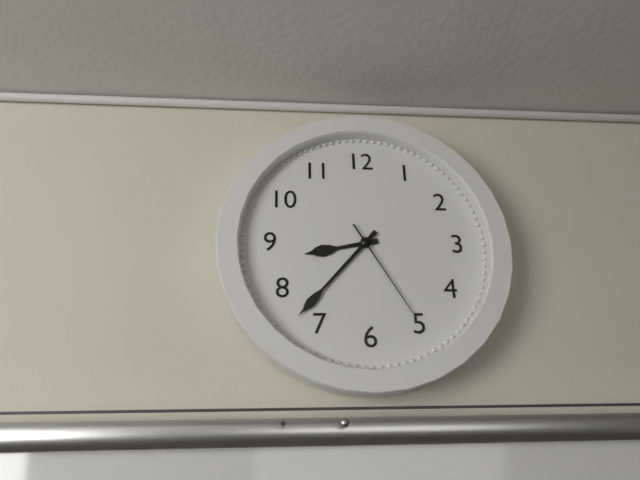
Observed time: 8h37m25s
